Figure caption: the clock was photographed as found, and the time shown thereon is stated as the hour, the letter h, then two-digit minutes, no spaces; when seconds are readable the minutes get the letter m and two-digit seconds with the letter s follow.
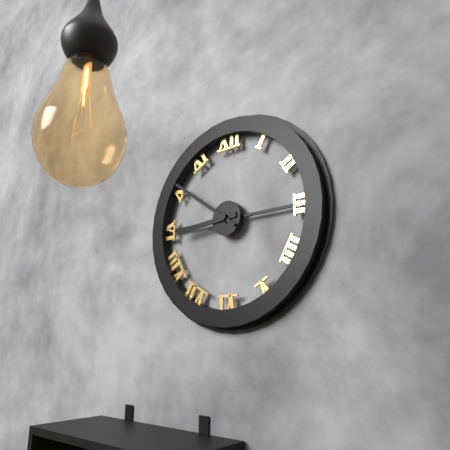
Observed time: 8h51
